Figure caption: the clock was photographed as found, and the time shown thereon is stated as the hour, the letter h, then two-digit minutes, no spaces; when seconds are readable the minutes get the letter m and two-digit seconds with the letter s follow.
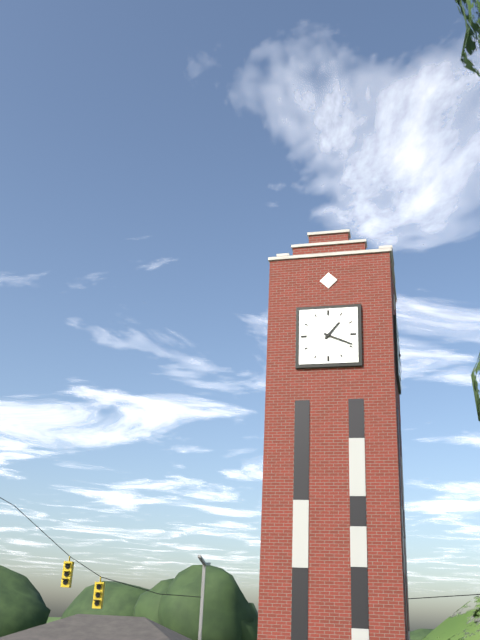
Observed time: 1h19
